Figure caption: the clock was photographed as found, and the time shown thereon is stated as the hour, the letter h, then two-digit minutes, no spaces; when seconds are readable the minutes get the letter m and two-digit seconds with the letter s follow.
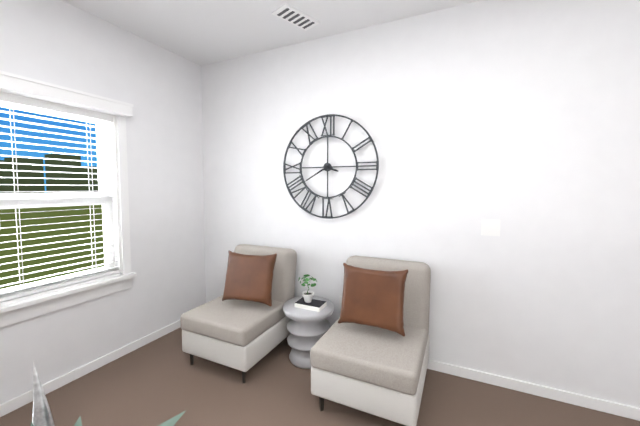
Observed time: 3h40
